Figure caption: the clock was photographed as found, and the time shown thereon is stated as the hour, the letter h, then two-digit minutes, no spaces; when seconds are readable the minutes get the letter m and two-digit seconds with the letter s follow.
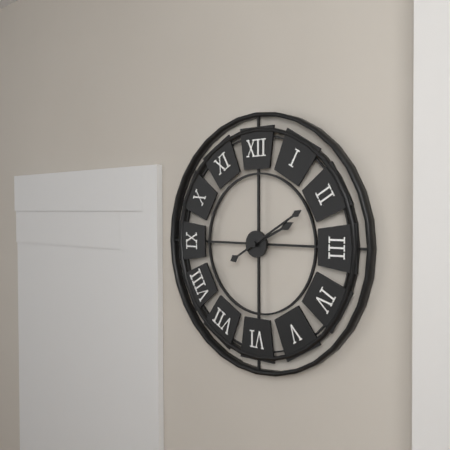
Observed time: 2h10
